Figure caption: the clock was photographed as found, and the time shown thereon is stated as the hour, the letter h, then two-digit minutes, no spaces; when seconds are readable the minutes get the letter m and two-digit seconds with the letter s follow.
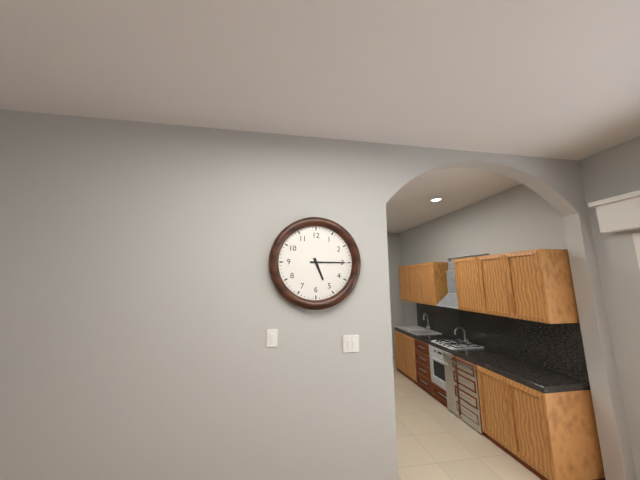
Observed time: 5h15
